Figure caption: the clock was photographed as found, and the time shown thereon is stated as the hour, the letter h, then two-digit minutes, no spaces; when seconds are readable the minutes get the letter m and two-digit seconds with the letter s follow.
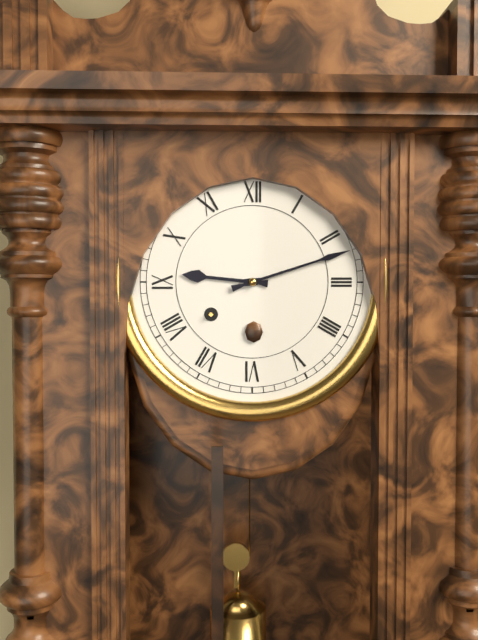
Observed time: 9h12
